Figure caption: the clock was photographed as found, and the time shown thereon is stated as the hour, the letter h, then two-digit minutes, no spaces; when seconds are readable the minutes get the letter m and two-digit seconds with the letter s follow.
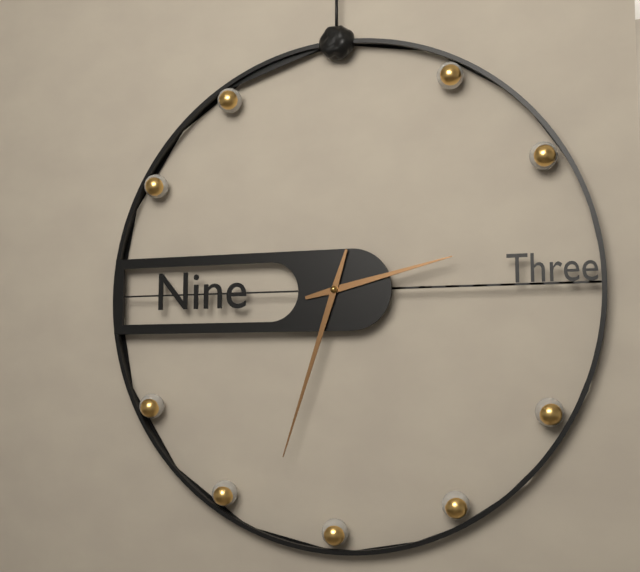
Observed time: 2h33
